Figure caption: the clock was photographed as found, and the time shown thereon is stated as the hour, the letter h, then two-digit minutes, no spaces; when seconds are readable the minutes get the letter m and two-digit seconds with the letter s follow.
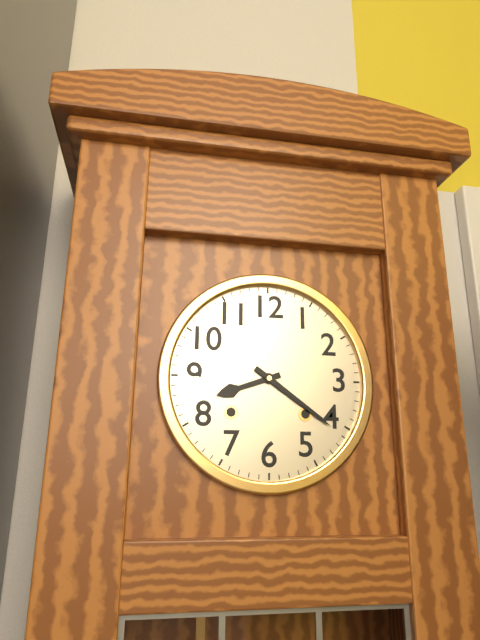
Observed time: 8h21
